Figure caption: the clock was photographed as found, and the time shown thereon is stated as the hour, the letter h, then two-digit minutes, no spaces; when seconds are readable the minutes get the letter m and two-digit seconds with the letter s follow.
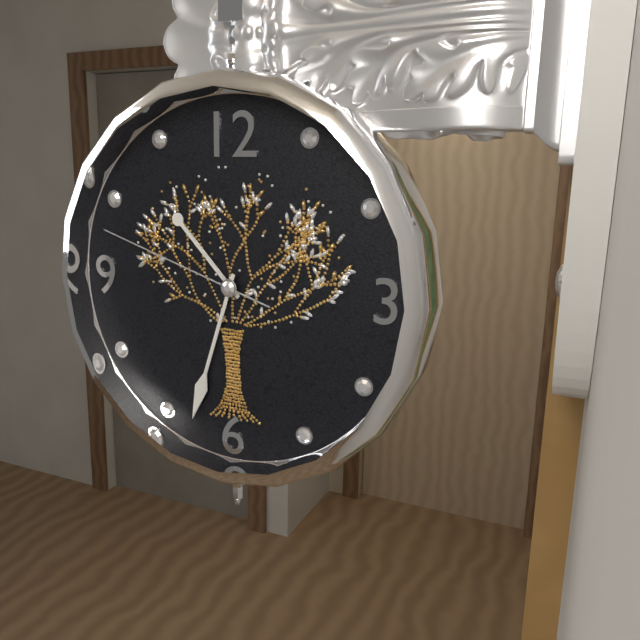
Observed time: 10h33m48s
